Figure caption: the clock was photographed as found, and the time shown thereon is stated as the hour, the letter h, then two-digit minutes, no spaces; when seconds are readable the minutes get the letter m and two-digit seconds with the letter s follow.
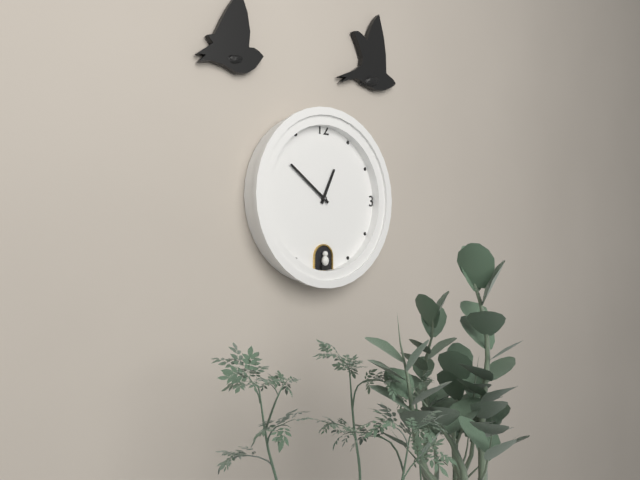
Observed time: 12h51
